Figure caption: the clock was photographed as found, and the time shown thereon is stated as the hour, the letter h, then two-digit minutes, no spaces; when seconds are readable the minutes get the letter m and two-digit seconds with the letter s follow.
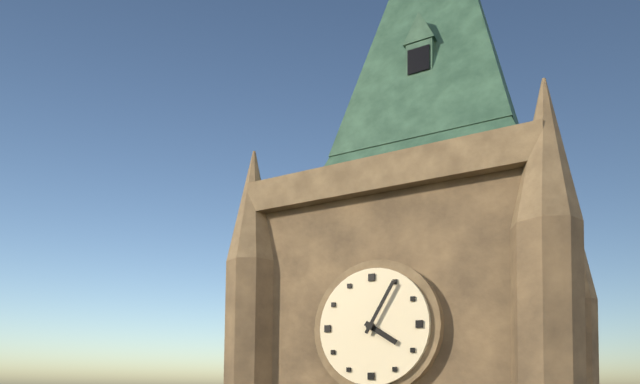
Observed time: 4h05
